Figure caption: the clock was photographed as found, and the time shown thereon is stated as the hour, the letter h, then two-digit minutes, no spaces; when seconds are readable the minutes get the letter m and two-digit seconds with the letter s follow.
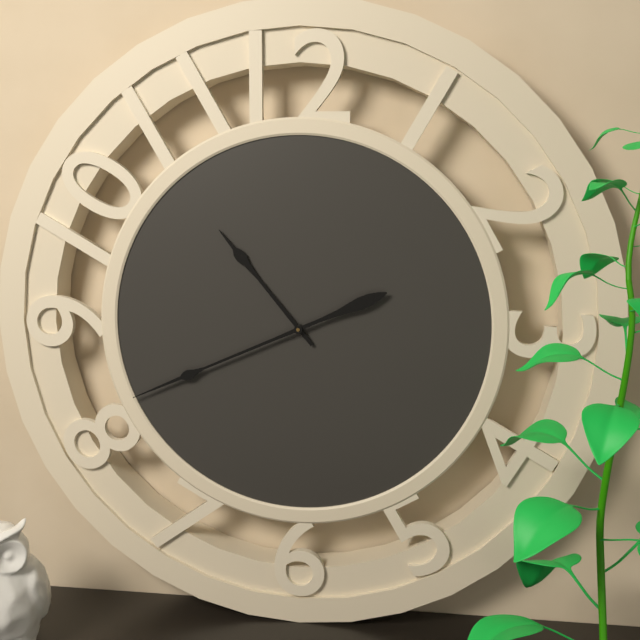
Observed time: 10h41
